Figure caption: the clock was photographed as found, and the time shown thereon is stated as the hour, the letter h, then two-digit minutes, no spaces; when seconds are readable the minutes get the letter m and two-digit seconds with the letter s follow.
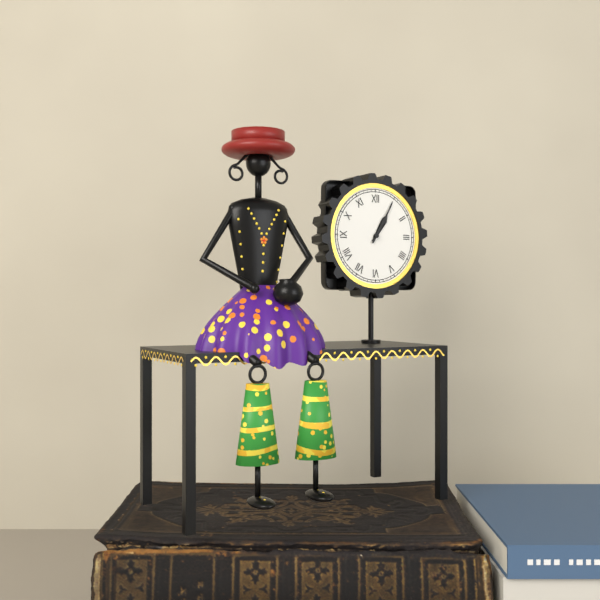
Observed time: 1h05
